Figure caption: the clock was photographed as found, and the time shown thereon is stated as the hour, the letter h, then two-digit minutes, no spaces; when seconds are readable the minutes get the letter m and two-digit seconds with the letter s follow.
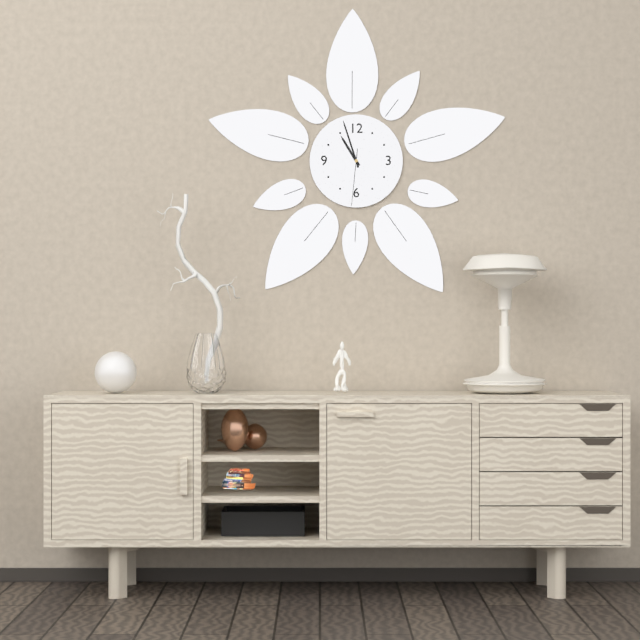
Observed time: 10h57m31s
